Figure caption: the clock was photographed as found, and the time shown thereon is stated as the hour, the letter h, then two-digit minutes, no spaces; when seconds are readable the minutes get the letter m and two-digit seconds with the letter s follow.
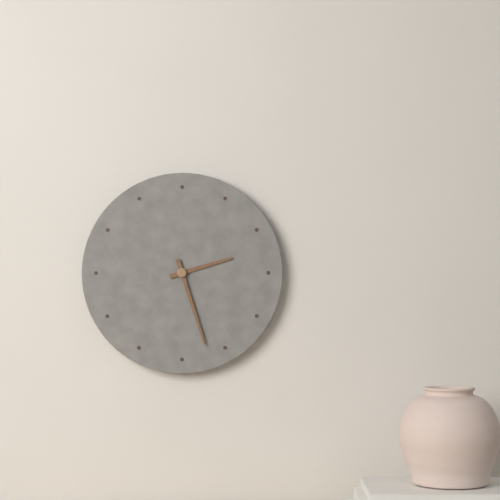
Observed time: 2h27
